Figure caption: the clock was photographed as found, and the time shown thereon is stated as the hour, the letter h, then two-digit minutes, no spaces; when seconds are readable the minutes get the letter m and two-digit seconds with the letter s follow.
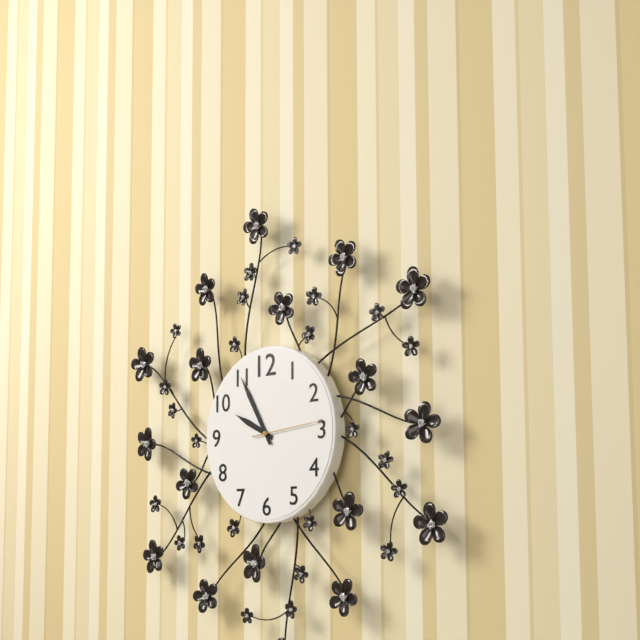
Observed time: 9h55m14s
